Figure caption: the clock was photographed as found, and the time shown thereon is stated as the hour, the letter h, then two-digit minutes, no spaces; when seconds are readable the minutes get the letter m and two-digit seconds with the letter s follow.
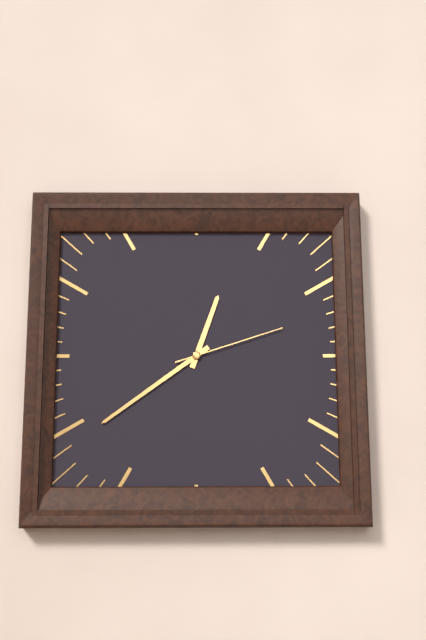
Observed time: 12h39m12s
